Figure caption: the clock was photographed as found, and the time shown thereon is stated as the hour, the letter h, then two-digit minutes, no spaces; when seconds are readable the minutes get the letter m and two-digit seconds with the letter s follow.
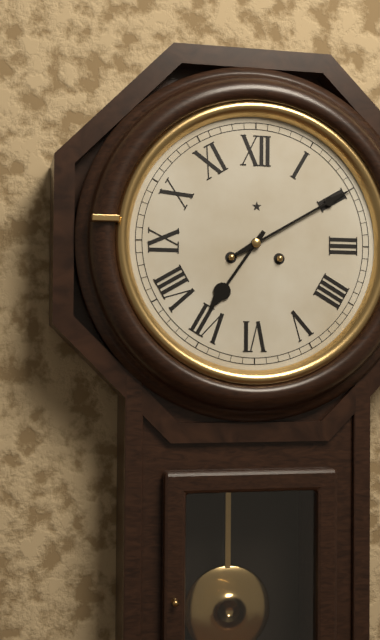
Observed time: 7h10
